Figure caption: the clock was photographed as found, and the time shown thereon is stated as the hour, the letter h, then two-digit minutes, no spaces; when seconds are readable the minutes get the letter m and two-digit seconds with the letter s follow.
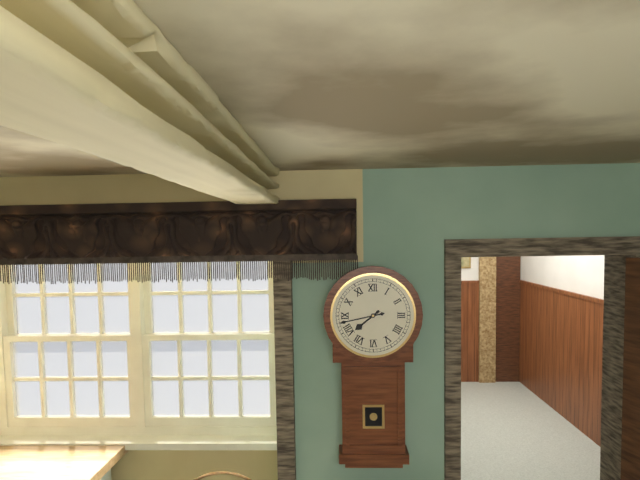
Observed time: 7h43
